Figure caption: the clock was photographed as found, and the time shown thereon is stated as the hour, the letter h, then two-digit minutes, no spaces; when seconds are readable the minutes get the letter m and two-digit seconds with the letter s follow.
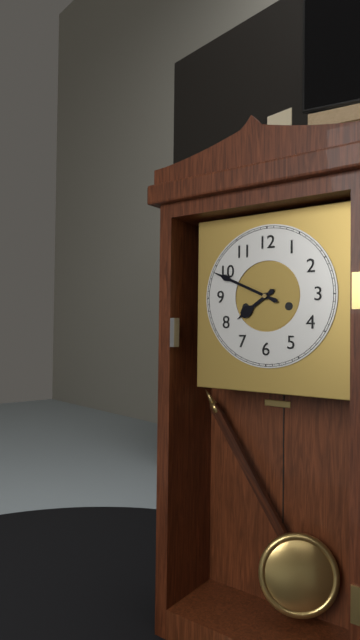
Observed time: 7h49
